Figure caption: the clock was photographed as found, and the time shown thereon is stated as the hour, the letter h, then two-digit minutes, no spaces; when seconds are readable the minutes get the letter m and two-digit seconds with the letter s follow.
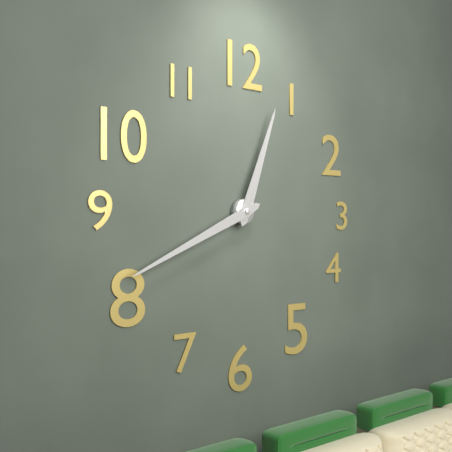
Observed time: 12h41
